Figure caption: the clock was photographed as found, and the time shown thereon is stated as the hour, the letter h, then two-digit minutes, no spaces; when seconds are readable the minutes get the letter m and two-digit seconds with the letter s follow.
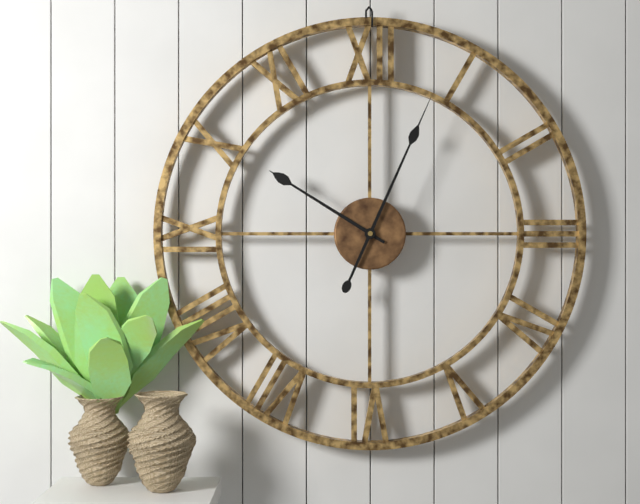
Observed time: 10h04
